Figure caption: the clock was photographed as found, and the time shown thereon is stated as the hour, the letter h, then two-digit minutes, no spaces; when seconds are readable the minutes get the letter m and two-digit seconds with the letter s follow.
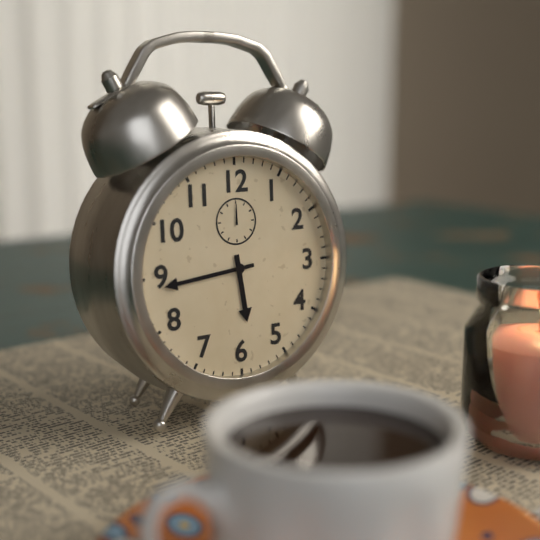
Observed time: 5h44
